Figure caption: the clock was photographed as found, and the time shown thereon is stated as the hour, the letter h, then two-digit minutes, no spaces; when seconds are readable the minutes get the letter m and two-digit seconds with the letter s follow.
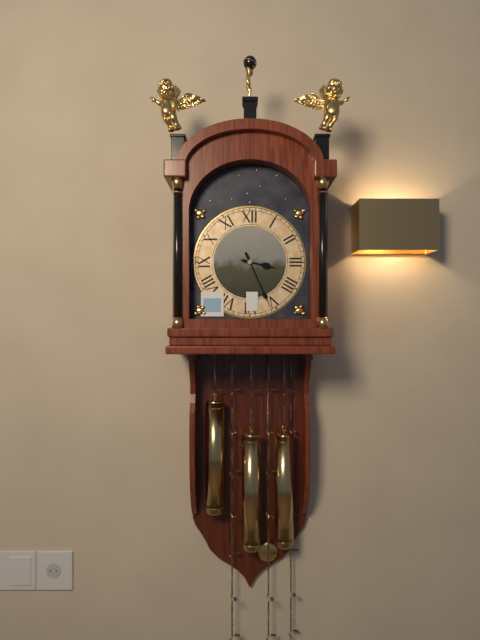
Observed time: 3h26
